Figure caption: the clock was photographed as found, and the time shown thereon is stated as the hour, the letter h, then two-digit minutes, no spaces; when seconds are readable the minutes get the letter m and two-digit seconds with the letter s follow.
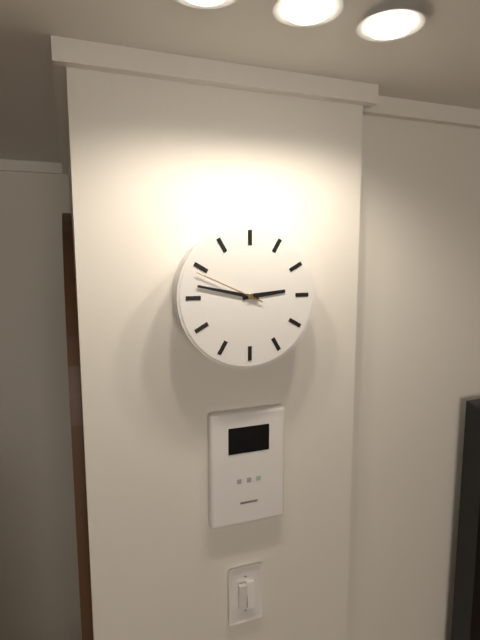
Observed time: 2h47m49s
